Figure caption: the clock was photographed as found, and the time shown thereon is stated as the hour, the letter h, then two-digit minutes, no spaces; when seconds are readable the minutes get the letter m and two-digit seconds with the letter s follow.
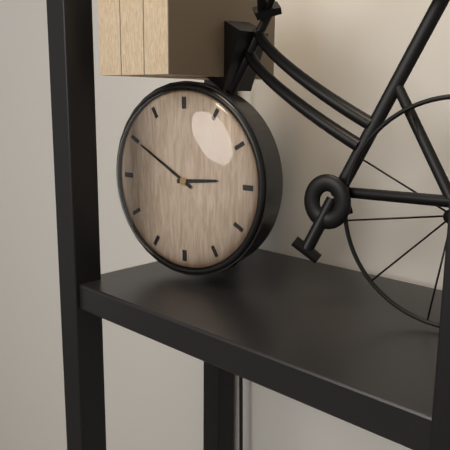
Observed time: 2h50
